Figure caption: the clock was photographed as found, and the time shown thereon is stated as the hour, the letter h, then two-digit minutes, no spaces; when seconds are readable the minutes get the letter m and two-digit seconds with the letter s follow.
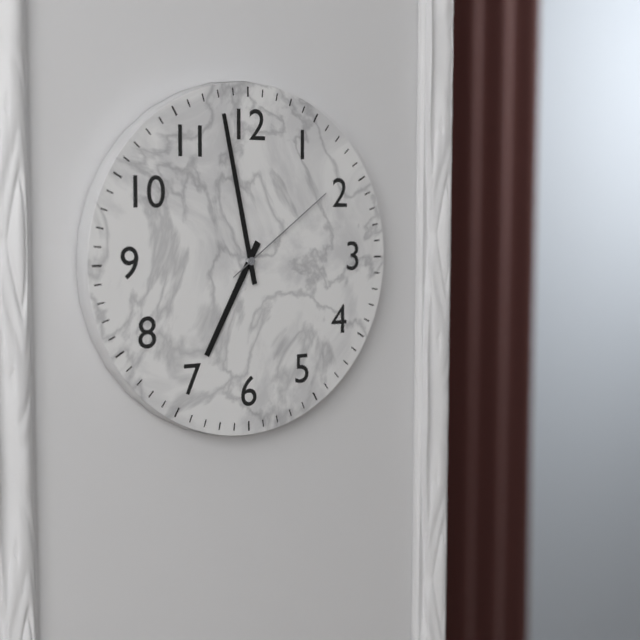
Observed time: 6h58m09s
